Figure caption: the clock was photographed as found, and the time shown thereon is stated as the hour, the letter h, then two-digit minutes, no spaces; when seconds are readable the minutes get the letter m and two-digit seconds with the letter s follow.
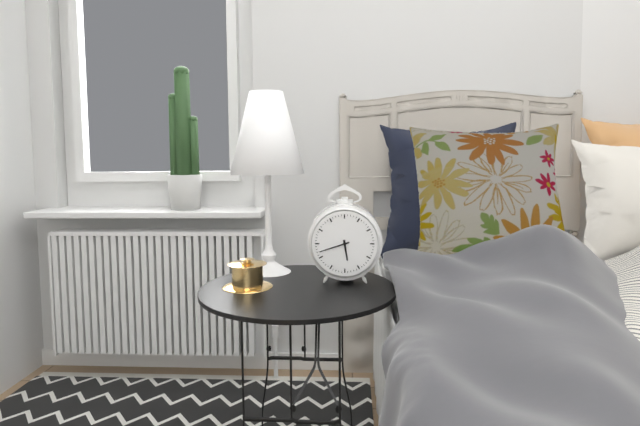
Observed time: 5h42
